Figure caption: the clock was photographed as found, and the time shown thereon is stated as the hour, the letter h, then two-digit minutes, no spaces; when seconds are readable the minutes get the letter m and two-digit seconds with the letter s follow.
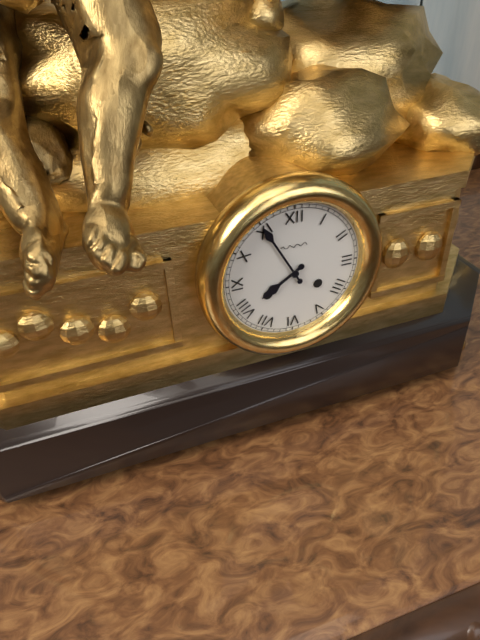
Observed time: 7h55
